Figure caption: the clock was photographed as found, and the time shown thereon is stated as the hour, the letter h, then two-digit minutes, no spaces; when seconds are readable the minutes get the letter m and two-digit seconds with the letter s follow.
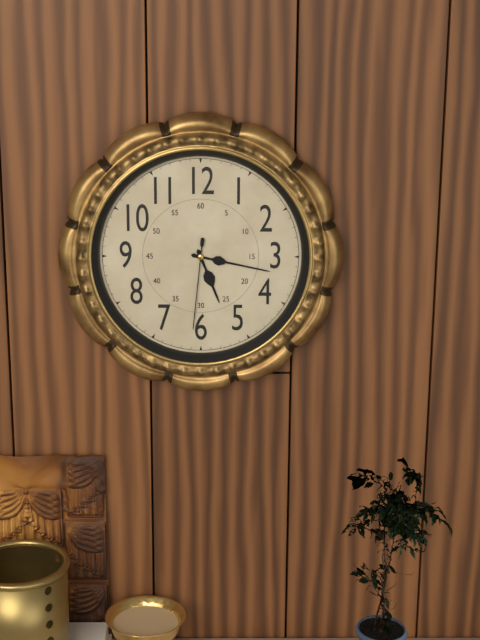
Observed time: 5h17m31s
